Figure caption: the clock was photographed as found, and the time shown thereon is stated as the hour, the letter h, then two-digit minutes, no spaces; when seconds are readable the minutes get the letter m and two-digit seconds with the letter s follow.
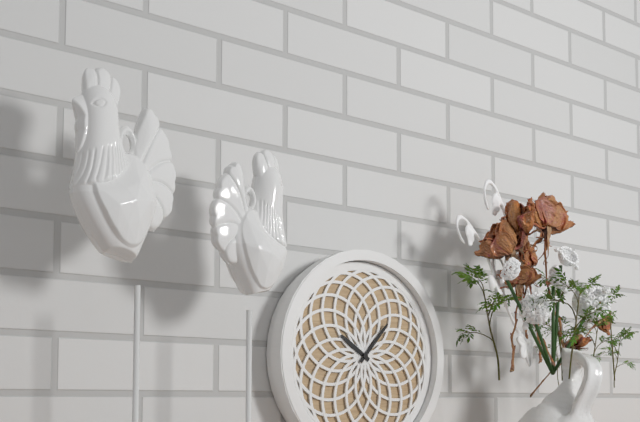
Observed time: 10h07
